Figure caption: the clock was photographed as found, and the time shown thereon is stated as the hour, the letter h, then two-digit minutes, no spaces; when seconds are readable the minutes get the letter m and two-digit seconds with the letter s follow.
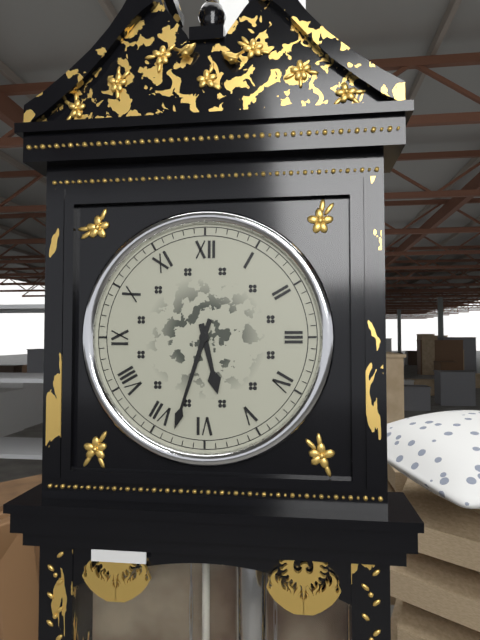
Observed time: 5h33
